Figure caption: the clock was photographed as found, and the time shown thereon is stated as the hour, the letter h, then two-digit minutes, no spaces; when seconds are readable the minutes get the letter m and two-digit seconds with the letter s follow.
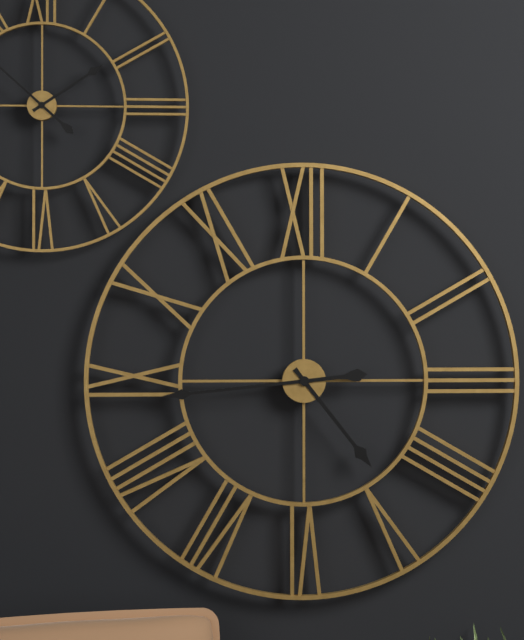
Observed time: 4h44
